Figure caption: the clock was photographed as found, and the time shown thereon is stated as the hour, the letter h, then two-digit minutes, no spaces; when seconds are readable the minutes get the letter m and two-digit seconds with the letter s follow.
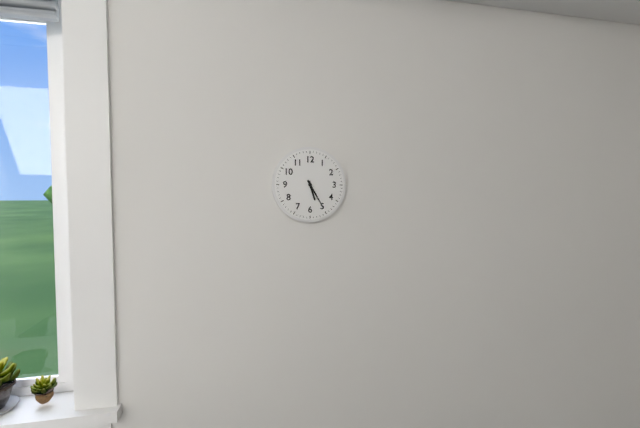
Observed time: 5h25
